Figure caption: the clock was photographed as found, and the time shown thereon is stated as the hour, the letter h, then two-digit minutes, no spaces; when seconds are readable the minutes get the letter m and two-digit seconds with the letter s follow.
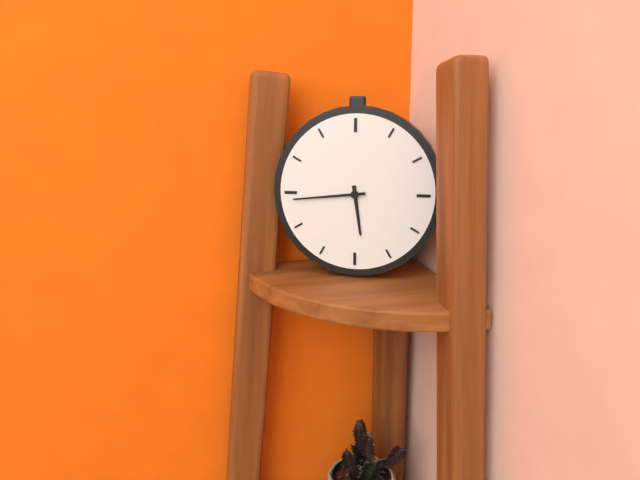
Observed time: 5h44
